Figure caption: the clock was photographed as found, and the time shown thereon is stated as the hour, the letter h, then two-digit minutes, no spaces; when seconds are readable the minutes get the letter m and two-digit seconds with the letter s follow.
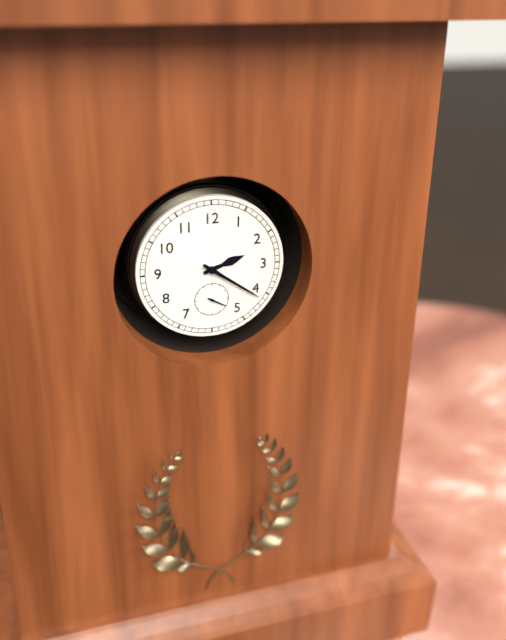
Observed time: 2h21
